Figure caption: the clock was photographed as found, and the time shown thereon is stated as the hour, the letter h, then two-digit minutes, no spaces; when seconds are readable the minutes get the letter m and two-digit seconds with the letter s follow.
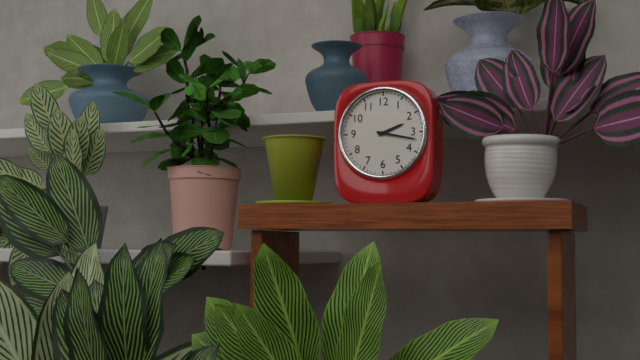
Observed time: 2h17
